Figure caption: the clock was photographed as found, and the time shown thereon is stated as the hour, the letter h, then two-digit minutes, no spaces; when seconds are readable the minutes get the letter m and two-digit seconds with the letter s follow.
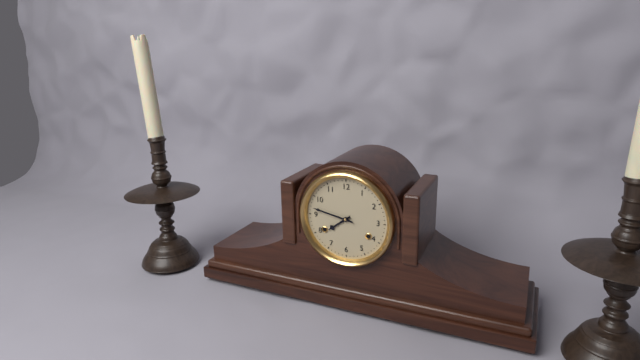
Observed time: 7h47
